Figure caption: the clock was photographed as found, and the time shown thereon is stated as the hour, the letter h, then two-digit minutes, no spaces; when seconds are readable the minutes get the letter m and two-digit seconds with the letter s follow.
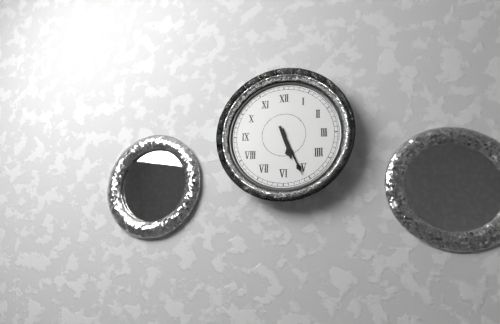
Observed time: 5h26
